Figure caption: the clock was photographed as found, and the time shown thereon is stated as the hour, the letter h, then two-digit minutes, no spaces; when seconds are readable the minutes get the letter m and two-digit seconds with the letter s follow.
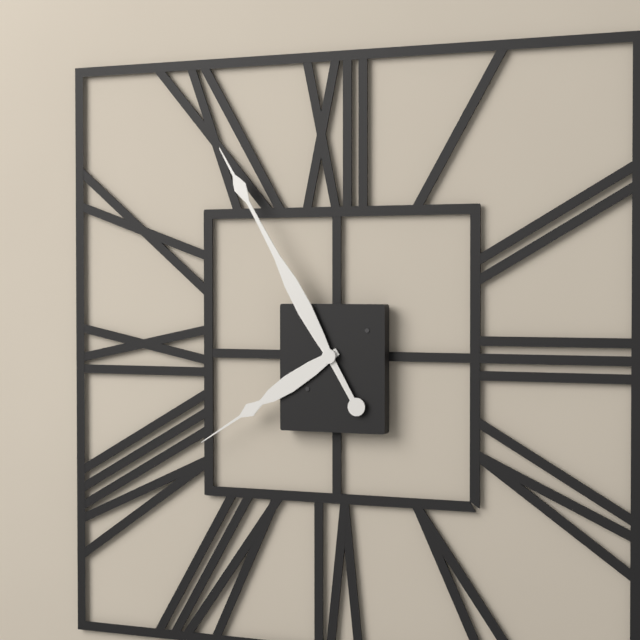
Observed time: 7h55
